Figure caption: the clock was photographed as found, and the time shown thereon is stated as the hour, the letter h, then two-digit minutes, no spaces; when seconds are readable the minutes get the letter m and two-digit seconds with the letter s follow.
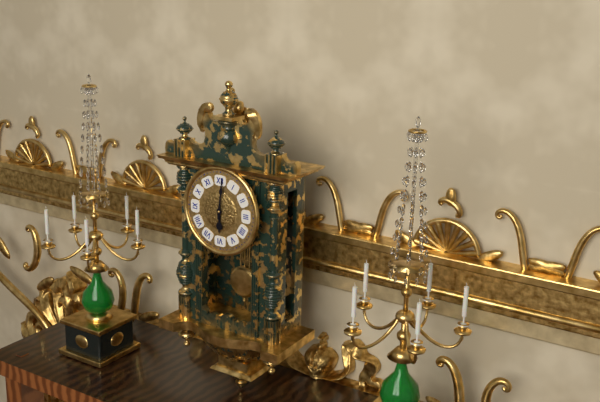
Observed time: 6h01
